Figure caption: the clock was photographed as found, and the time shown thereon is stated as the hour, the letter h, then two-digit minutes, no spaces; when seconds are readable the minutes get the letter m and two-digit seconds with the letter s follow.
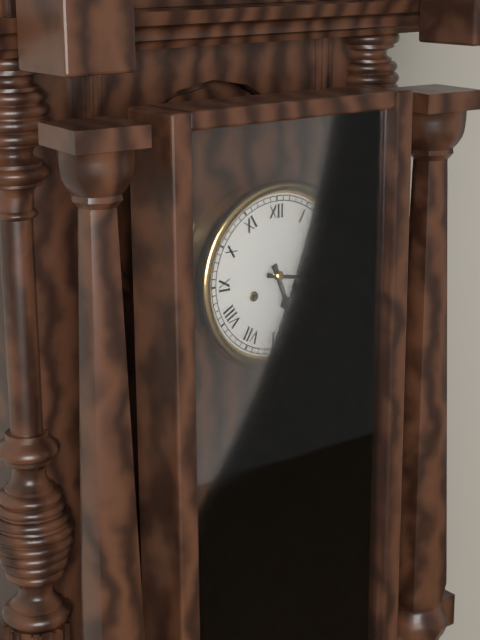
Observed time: 5h17
